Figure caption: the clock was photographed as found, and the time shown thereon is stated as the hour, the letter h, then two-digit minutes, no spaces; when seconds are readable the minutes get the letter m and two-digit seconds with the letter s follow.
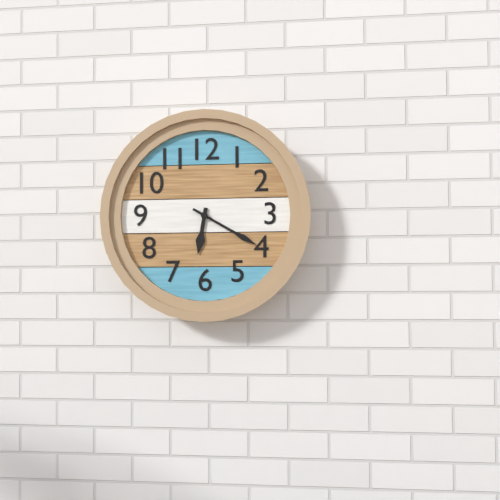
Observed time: 6h20
